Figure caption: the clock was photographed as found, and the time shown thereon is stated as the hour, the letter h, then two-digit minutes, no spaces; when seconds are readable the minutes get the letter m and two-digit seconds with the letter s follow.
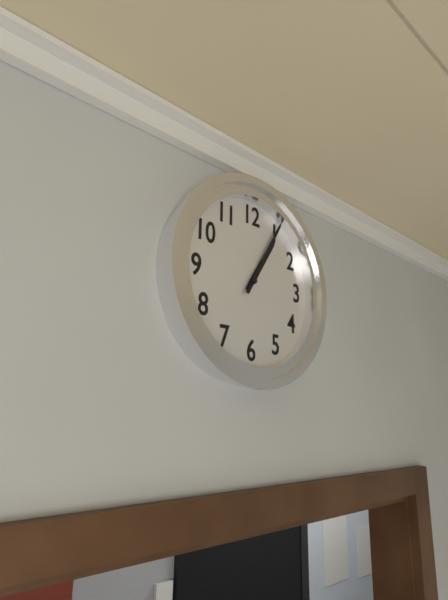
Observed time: 1h05
